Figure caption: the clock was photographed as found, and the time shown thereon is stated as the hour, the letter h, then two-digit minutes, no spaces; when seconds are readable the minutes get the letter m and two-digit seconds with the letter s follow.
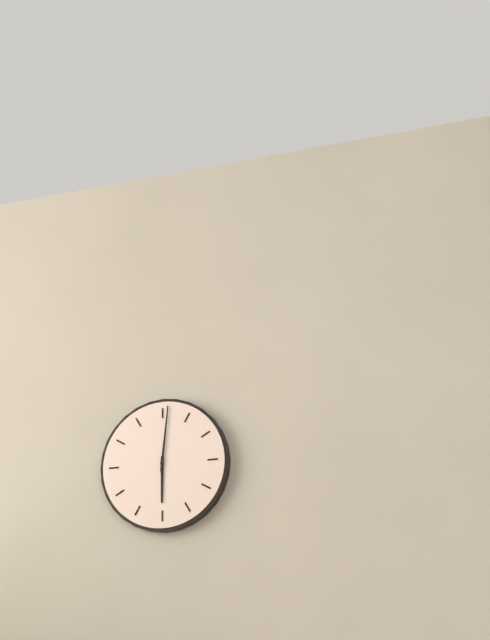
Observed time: 6h01
